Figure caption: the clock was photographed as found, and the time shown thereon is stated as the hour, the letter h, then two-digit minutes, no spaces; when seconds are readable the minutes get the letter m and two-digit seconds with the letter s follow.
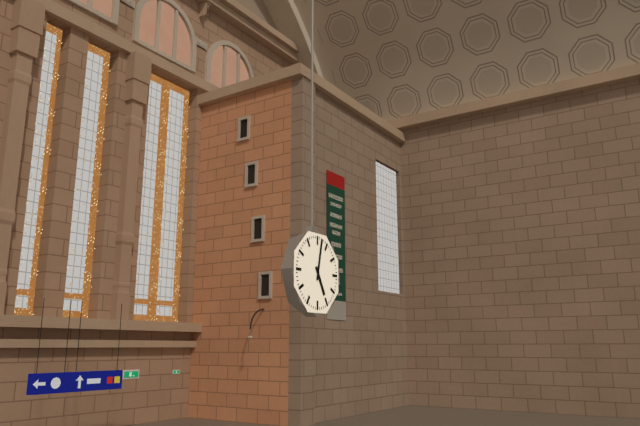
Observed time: 5h02
